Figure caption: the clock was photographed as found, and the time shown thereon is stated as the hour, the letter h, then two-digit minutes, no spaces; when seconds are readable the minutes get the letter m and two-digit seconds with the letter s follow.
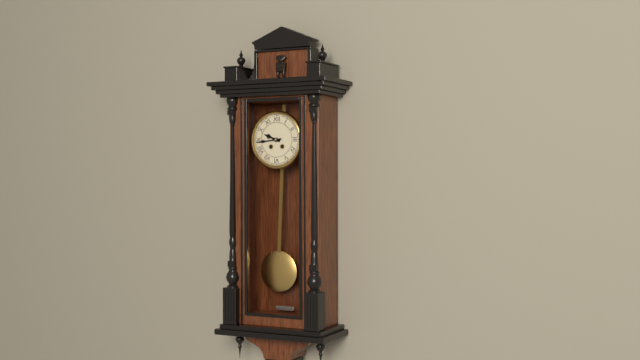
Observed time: 9h44
